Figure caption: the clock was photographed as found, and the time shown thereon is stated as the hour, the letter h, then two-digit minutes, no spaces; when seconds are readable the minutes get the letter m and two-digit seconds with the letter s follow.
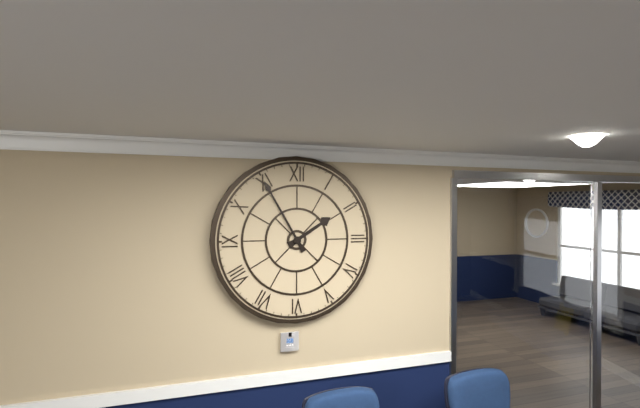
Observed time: 1h55
